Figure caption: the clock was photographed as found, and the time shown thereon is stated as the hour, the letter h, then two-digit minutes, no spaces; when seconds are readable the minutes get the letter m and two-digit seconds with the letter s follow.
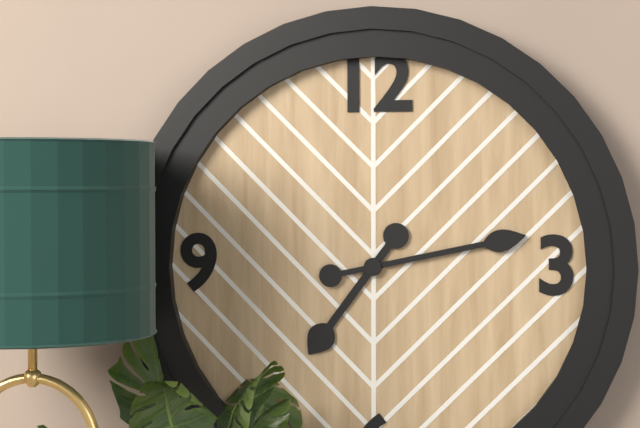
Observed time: 7h13
